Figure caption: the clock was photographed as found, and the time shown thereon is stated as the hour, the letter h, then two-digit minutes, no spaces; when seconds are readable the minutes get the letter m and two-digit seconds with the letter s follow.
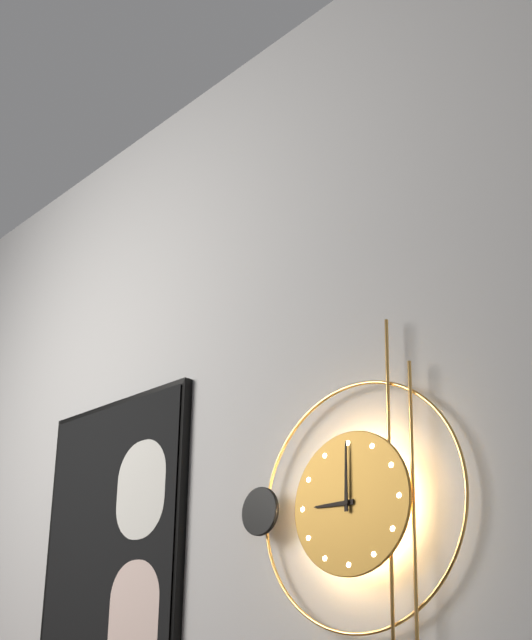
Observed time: 9h00
